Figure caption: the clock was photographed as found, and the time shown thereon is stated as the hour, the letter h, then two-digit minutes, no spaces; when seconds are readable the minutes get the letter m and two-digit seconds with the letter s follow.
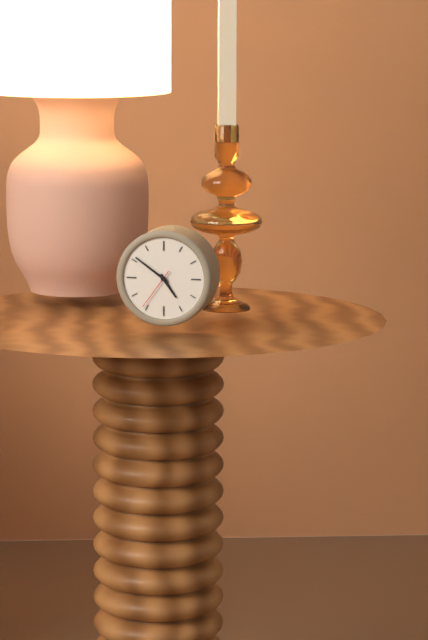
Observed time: 4h51
